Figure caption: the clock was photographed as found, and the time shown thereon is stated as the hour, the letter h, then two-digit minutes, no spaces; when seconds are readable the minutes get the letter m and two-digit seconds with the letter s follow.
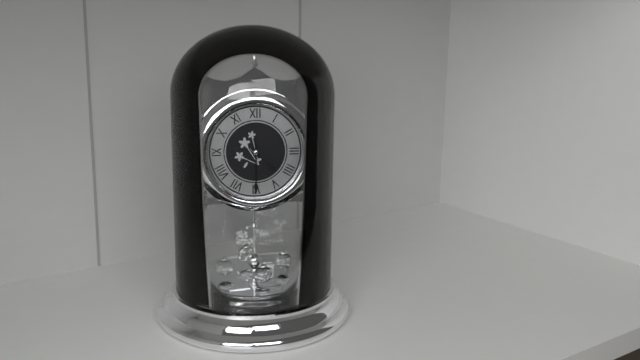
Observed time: 4h30
